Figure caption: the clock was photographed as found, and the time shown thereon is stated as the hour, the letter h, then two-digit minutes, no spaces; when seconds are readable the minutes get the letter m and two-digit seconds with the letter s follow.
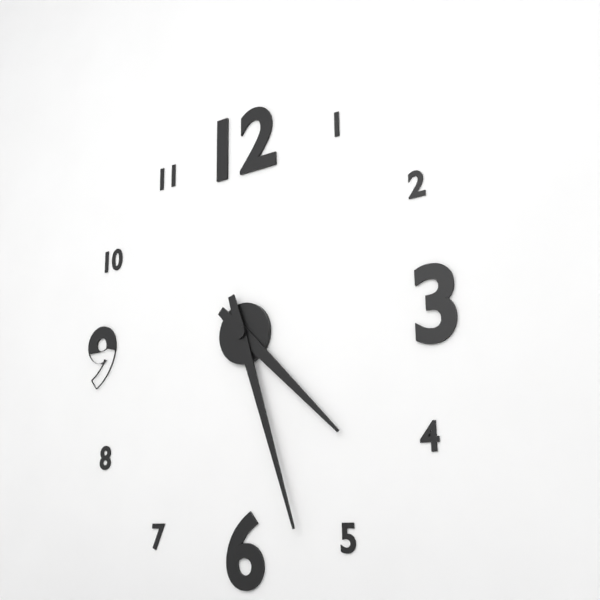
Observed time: 4h27
